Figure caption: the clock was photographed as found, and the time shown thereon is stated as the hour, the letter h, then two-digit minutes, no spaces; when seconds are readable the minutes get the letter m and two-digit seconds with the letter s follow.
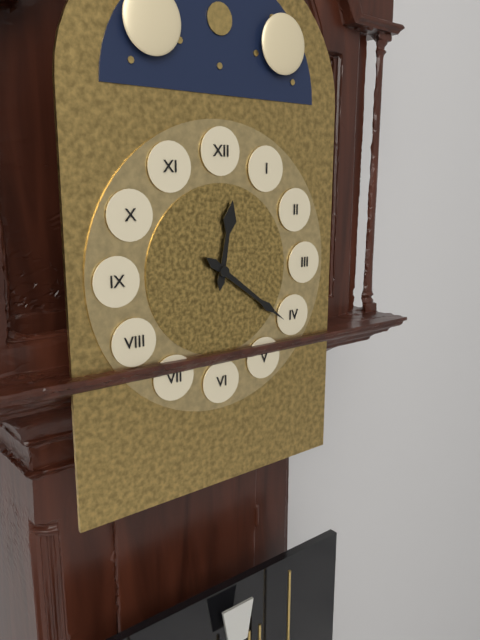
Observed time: 12h21
